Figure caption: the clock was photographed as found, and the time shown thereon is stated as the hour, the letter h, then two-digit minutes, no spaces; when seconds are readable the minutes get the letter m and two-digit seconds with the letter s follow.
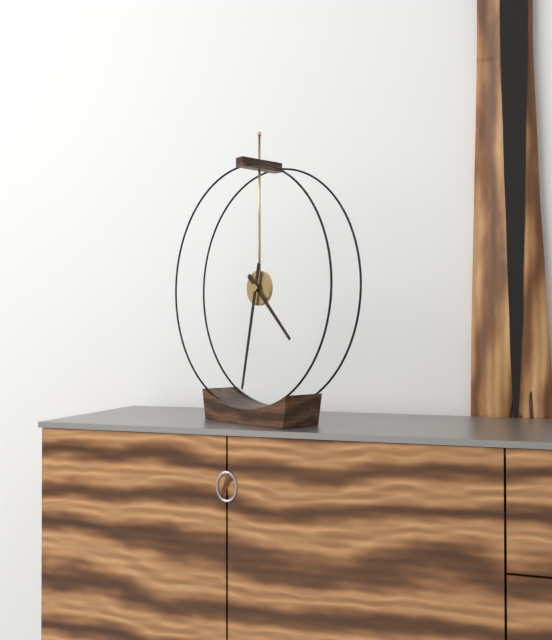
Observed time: 4h32
